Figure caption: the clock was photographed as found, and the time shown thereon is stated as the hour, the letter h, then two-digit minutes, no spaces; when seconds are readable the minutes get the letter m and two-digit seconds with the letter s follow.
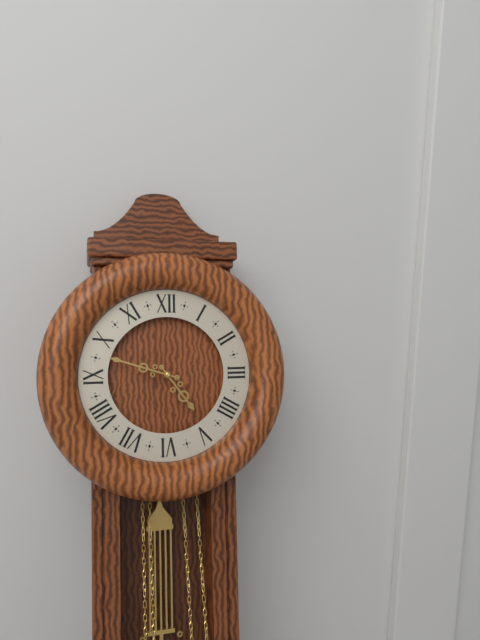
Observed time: 4h48
